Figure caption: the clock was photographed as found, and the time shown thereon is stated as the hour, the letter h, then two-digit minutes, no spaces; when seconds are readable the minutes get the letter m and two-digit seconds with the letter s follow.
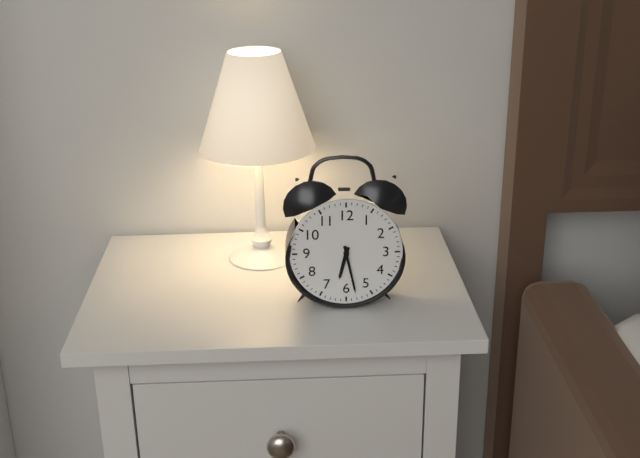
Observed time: 6h28
